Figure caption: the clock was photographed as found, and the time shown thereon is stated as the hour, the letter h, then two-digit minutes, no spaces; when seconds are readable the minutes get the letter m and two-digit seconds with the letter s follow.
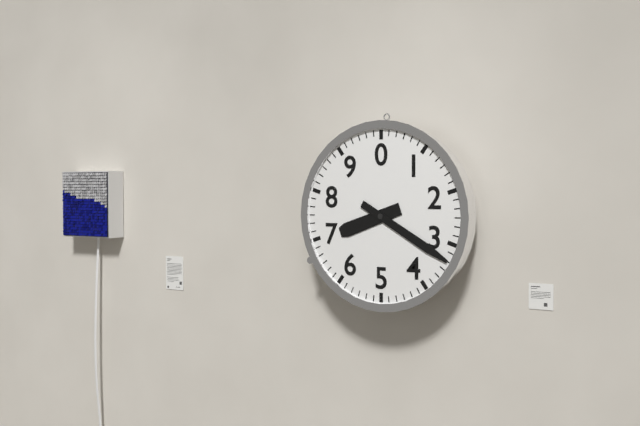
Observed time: 8h20
